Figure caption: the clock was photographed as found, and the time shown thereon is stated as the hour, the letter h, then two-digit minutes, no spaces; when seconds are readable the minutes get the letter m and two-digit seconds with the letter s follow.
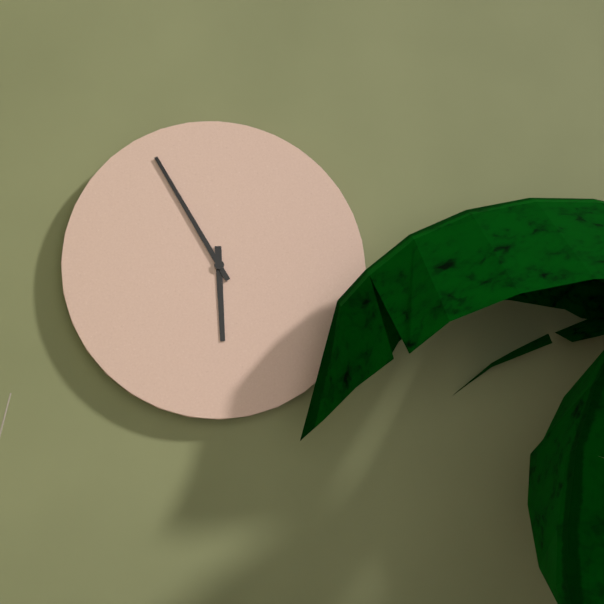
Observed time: 5h55
